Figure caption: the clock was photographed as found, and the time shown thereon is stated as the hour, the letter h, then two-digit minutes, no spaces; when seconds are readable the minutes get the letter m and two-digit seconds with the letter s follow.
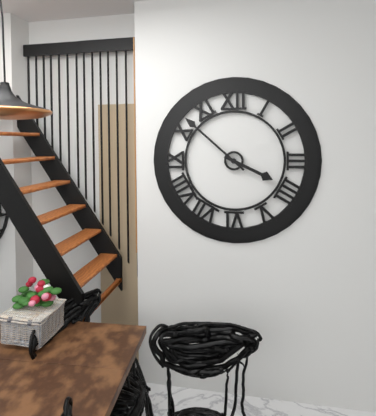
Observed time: 3h52
